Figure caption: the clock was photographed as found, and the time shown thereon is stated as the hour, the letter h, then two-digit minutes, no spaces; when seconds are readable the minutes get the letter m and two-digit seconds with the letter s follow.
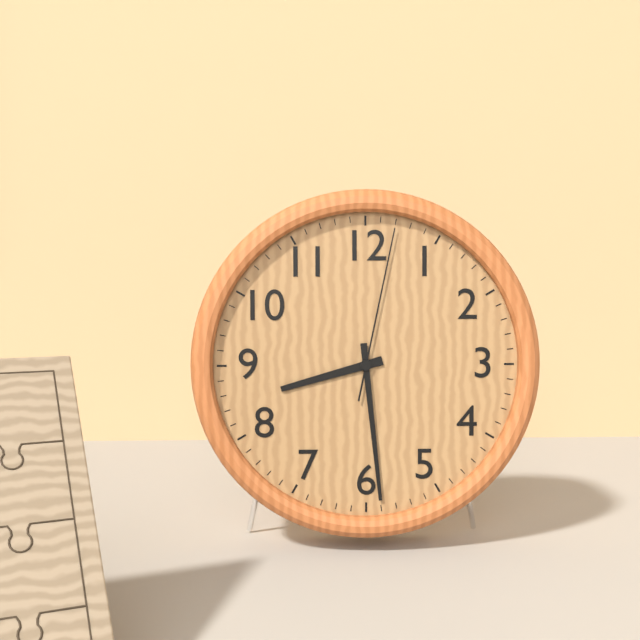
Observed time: 8h29m02s
